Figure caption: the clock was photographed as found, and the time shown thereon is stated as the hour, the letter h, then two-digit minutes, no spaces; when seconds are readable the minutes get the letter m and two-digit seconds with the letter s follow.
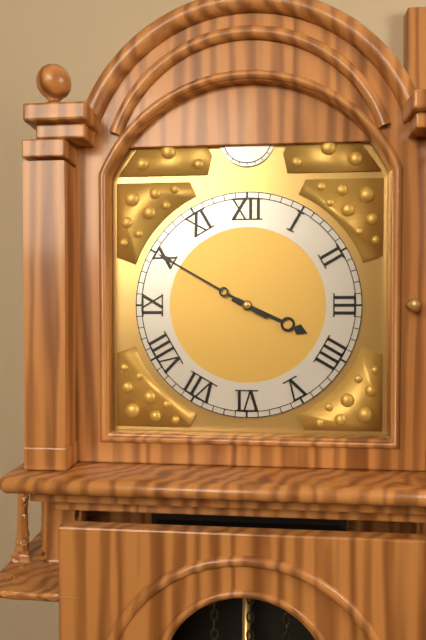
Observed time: 3h50
